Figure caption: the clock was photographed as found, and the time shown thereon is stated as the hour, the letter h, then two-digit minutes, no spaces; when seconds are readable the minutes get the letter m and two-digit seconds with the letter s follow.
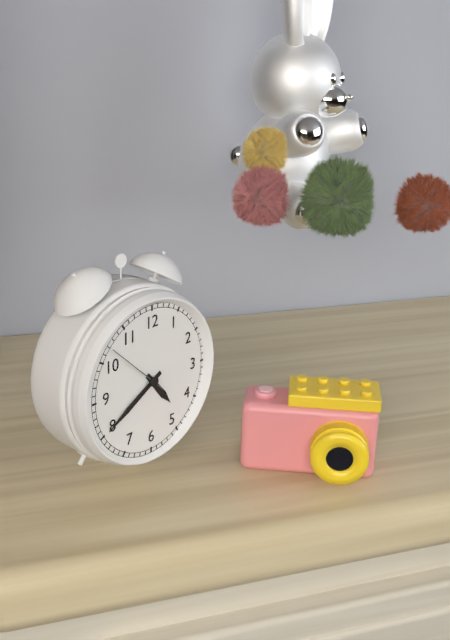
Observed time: 4h40m52s
